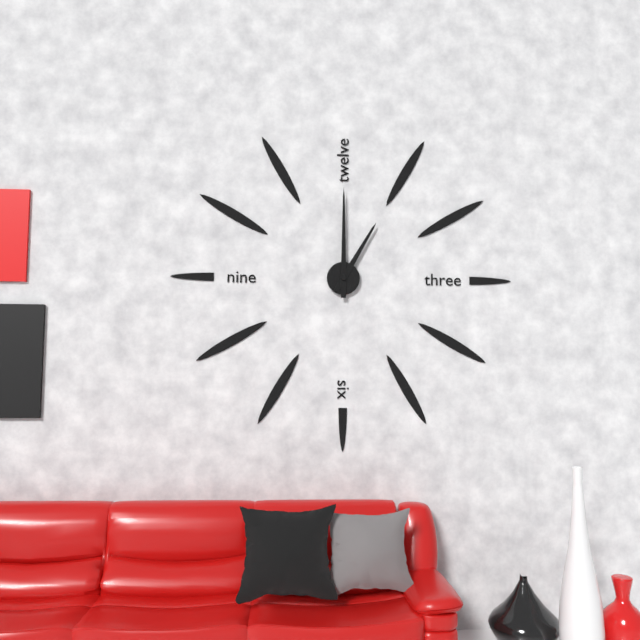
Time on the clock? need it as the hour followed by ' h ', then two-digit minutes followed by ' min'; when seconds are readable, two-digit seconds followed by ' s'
1 h 00 min
